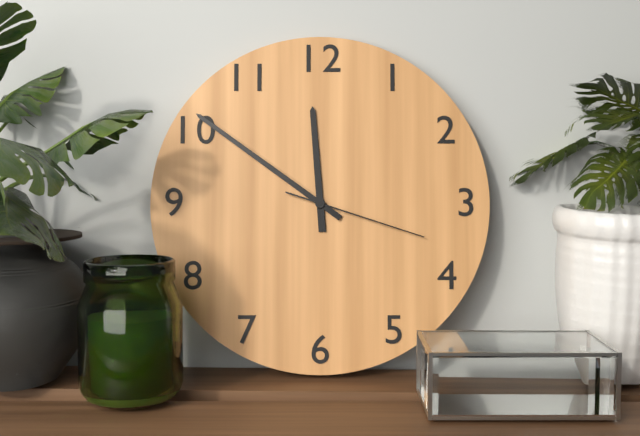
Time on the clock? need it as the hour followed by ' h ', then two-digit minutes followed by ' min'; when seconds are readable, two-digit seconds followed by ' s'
11 h 51 min 18 s
